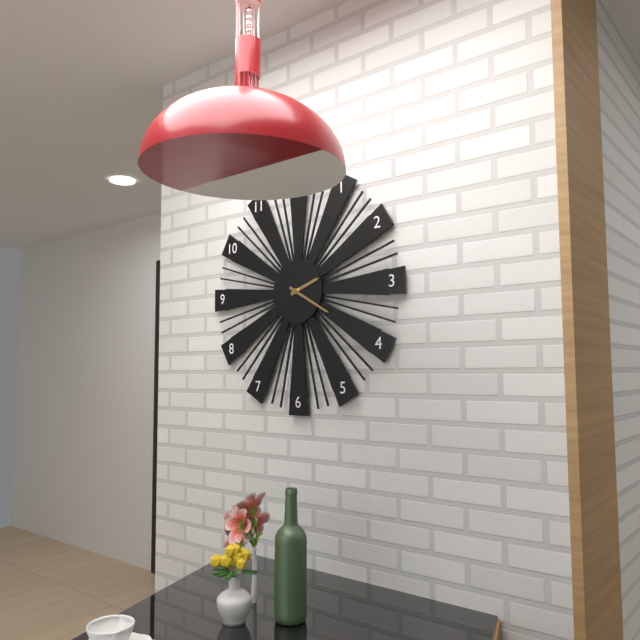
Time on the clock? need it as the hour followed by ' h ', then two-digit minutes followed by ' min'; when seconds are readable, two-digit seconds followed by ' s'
2 h 20 min
